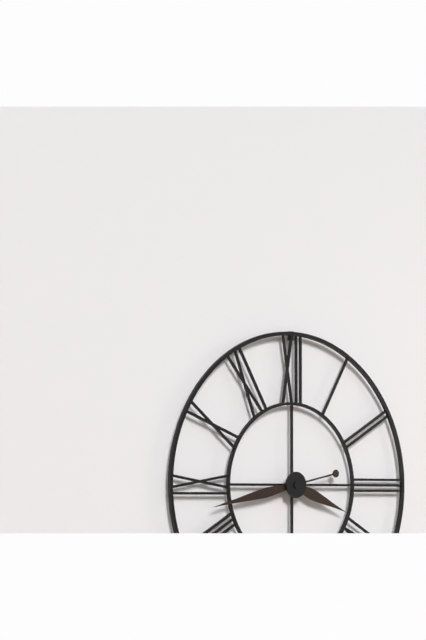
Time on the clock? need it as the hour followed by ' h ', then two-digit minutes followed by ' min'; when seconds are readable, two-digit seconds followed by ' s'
3 h 43 min
